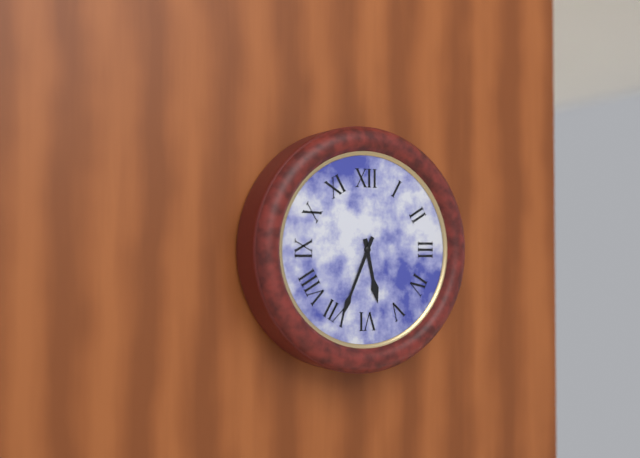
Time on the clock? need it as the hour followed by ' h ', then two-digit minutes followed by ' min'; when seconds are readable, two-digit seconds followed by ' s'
5 h 34 min
